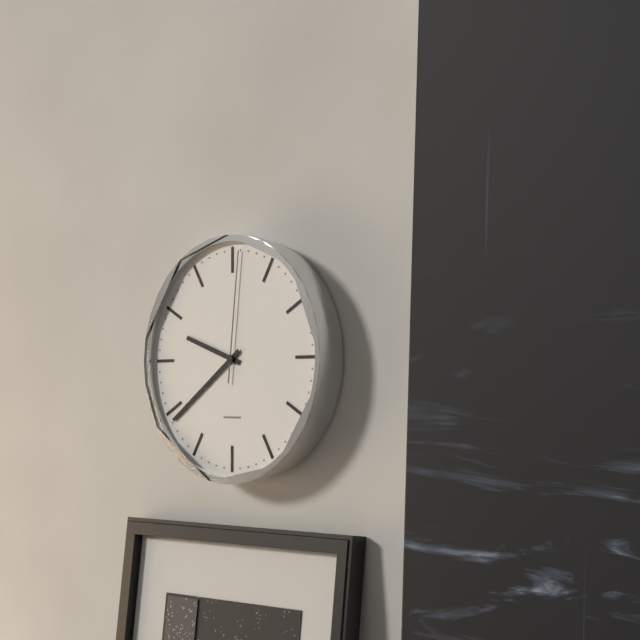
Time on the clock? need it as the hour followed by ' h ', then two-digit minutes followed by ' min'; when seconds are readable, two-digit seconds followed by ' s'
9 h 39 min 01 s
